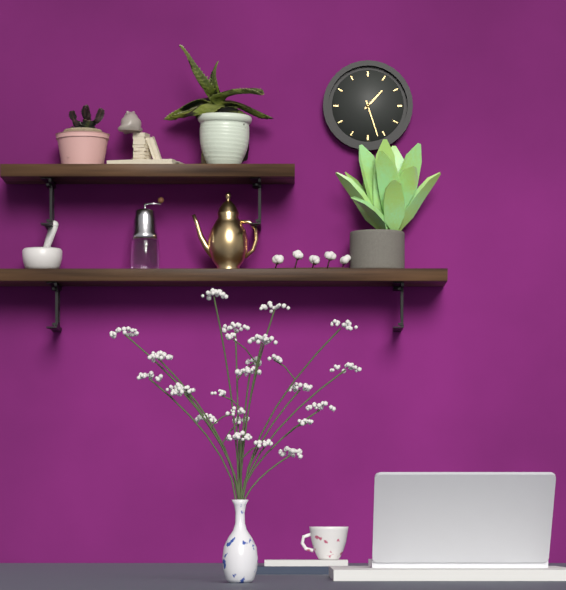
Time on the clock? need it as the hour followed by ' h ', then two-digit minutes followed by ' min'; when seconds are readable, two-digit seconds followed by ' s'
1 h 27 min
